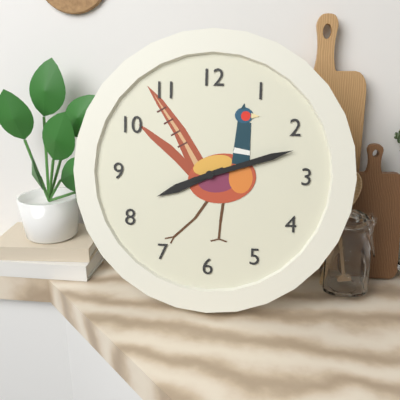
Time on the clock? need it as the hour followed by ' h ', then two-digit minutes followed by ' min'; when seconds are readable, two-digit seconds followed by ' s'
8 h 12 min
